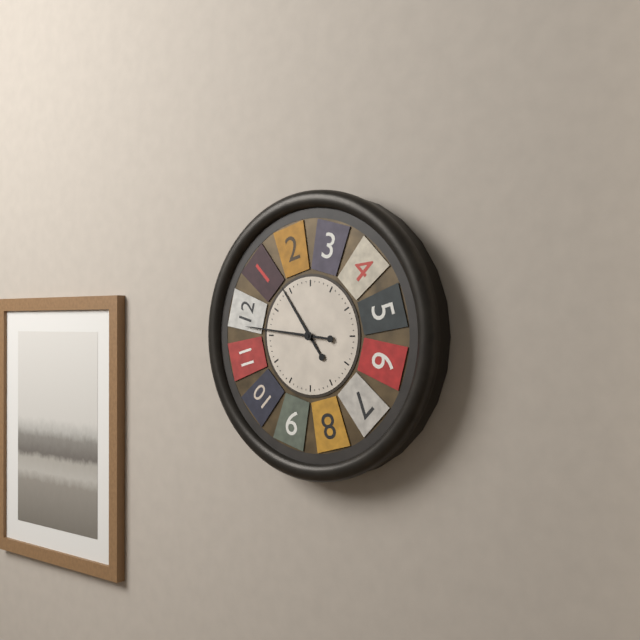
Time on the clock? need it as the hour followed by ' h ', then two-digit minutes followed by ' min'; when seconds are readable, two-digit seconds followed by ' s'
10 h 46 min
